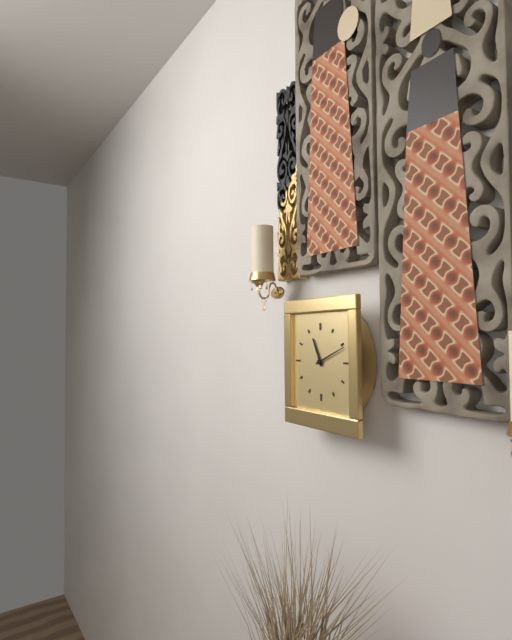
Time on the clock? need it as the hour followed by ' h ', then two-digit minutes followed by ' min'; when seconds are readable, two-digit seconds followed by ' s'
11 h 11 min
